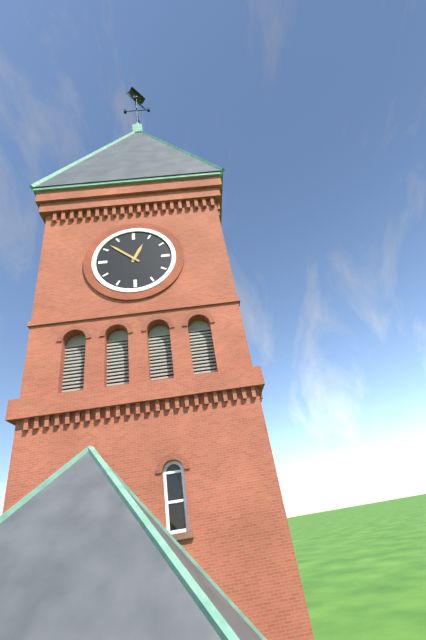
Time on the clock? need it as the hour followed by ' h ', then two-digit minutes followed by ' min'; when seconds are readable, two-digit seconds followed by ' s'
12 h 52 min
